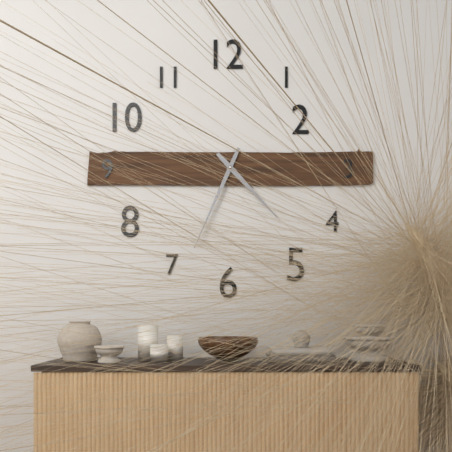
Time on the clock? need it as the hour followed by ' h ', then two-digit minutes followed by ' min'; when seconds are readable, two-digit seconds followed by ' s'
4 h 34 min
